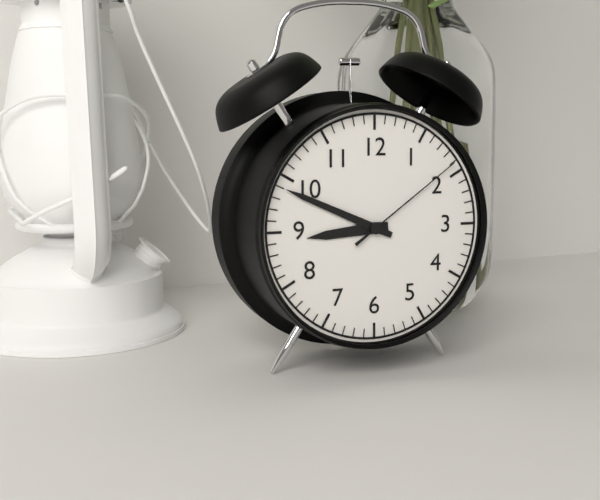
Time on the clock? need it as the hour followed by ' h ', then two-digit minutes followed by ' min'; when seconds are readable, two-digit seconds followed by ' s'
8 h 49 min 09 s
